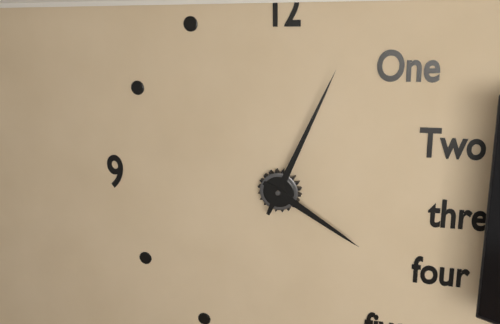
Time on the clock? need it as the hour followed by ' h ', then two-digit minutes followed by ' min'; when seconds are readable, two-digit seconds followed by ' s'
4 h 04 min
